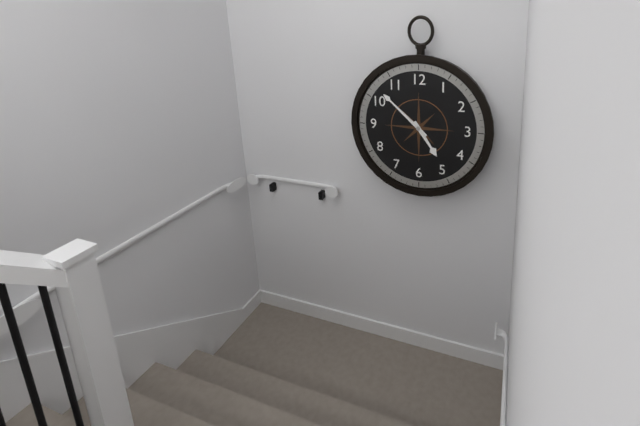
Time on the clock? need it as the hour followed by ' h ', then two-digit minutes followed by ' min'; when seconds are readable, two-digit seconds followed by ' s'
4 h 52 min
